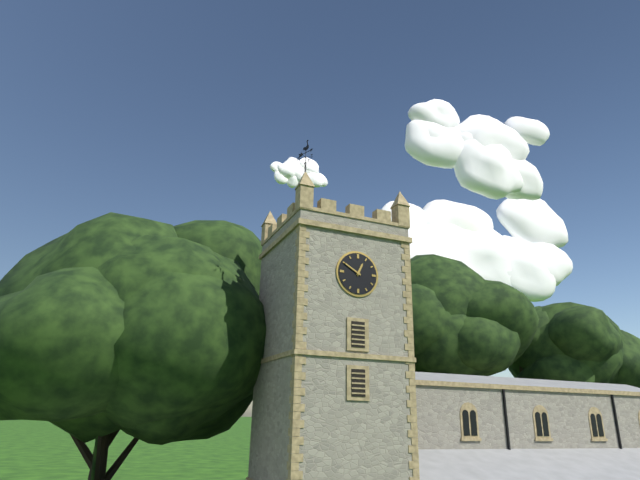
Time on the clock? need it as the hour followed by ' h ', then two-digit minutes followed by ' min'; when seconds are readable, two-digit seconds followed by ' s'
12 h 50 min
